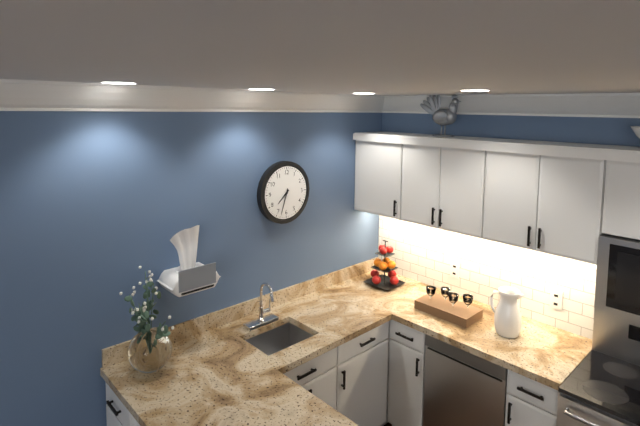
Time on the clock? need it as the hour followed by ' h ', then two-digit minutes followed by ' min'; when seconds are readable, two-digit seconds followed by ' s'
7 h 33 min
